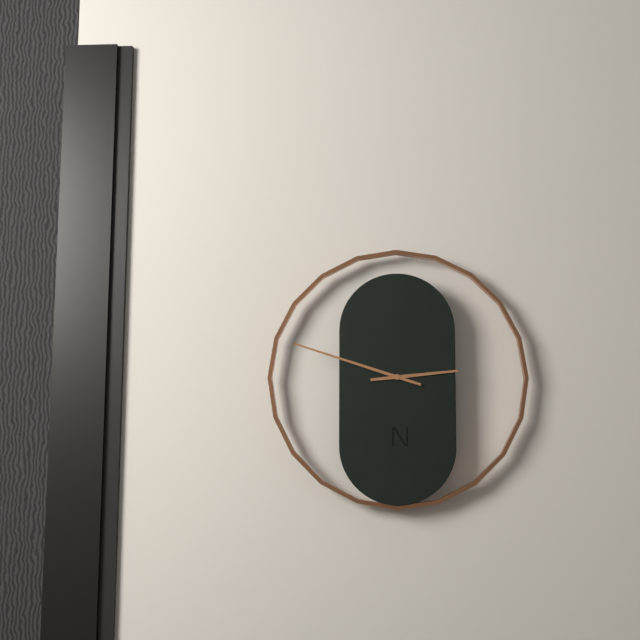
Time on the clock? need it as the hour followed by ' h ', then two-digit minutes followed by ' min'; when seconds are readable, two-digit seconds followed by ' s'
2 h 48 min
